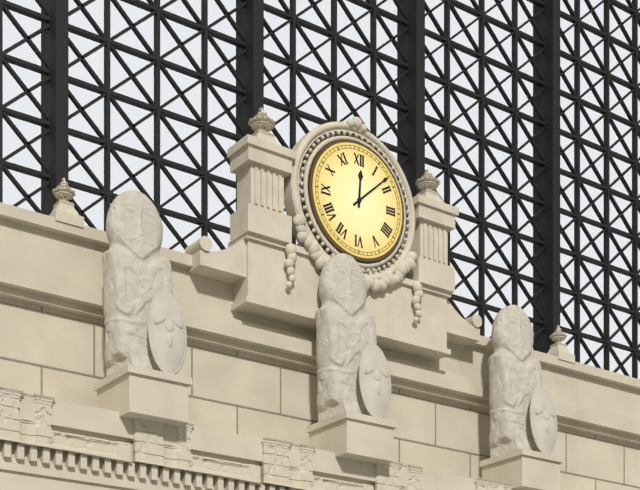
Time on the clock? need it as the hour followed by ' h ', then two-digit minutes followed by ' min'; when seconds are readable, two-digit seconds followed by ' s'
12 h 08 min
